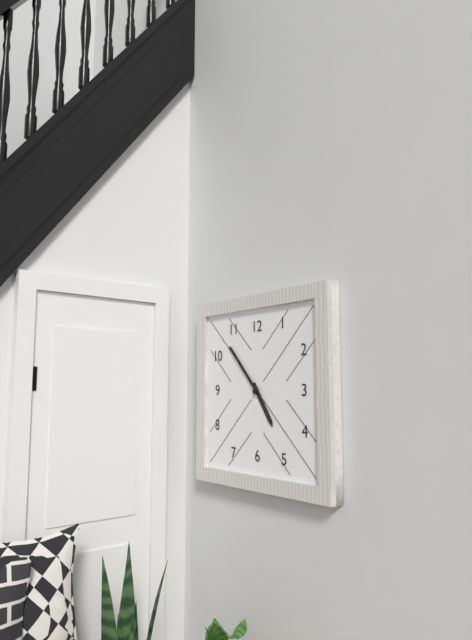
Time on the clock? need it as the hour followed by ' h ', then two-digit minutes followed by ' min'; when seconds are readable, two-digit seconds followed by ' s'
4 h 53 min
